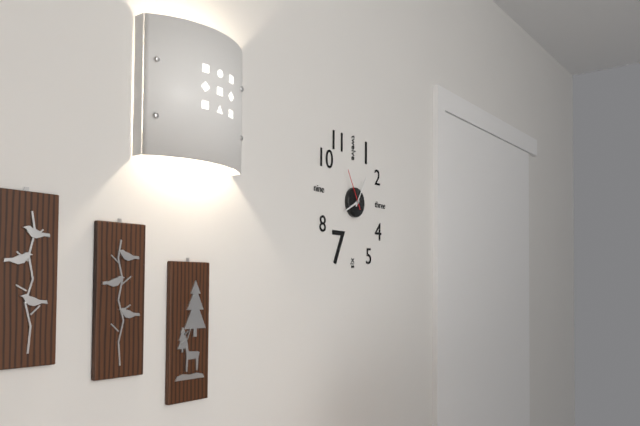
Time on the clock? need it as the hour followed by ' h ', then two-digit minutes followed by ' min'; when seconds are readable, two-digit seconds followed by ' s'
8 h 05 min
